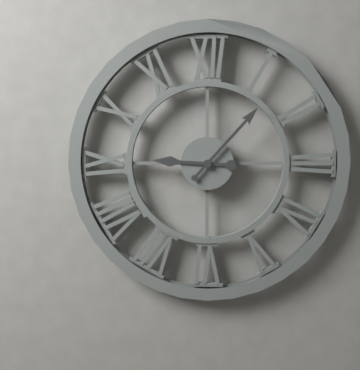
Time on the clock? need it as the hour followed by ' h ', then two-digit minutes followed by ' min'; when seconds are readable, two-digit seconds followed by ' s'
9 h 07 min
